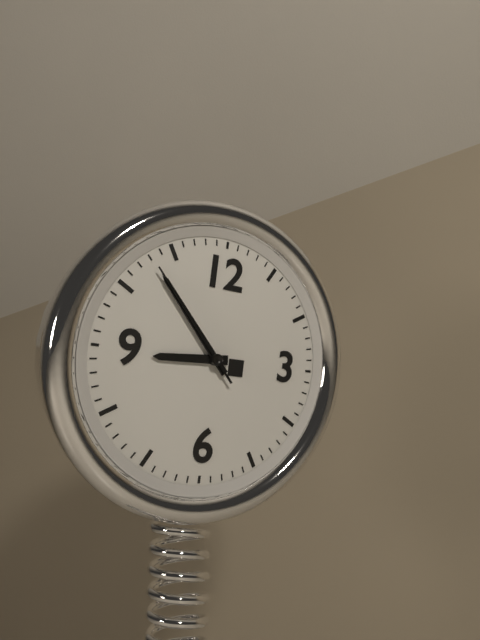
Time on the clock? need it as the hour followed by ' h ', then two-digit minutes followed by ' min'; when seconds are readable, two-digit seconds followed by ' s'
8 h 53 min 53 s
